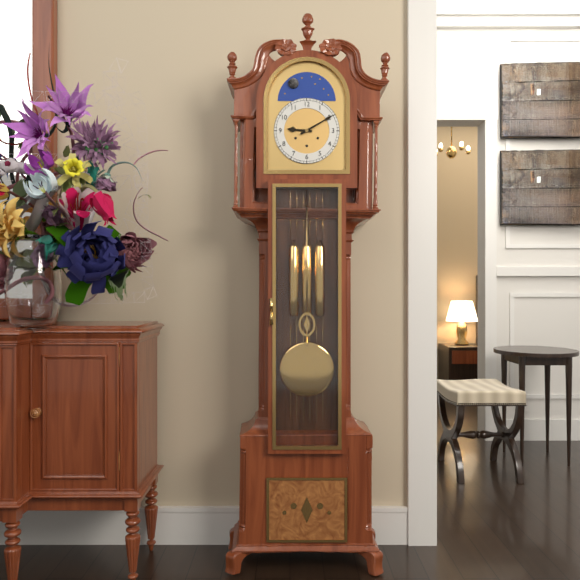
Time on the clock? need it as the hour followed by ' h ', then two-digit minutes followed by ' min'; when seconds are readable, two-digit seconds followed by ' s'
9 h 10 min
